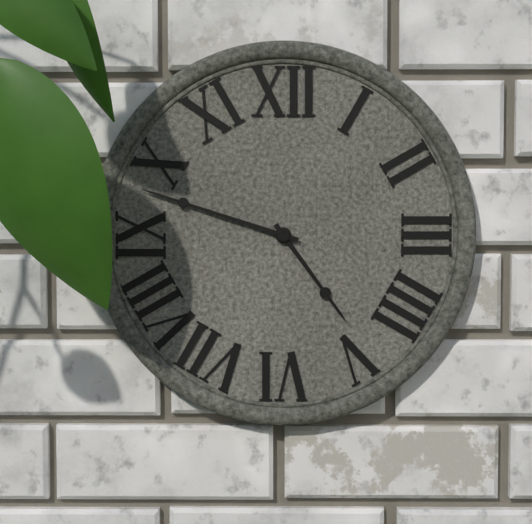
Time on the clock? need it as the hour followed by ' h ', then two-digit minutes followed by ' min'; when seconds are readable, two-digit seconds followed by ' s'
4 h 48 min
